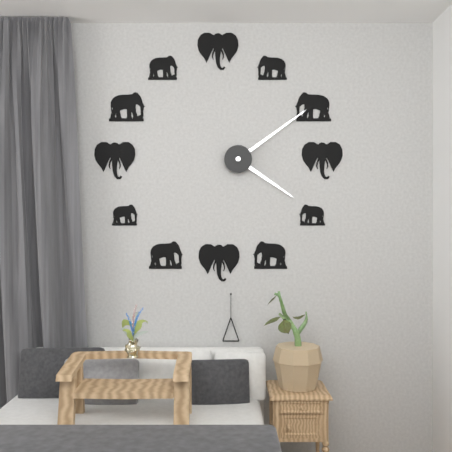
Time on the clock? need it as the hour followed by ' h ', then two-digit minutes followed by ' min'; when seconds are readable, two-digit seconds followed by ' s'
4 h 09 min
